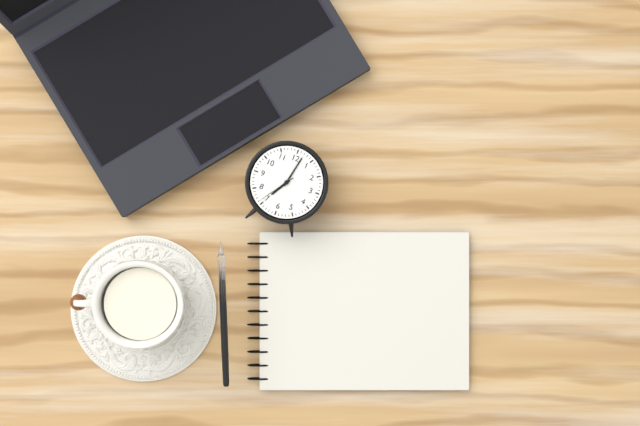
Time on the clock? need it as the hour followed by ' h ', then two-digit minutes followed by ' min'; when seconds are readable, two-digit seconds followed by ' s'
7 h 02 min
